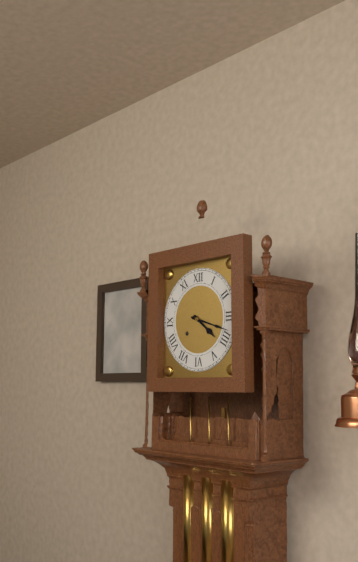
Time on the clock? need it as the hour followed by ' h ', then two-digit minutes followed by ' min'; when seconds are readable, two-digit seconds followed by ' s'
4 h 18 min
